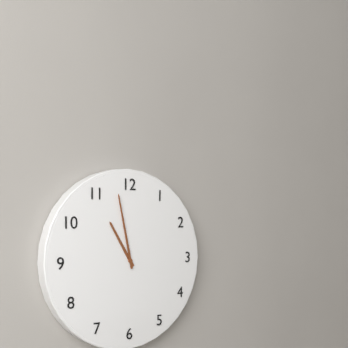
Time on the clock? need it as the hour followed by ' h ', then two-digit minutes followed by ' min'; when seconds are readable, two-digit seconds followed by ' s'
10 h 58 min
